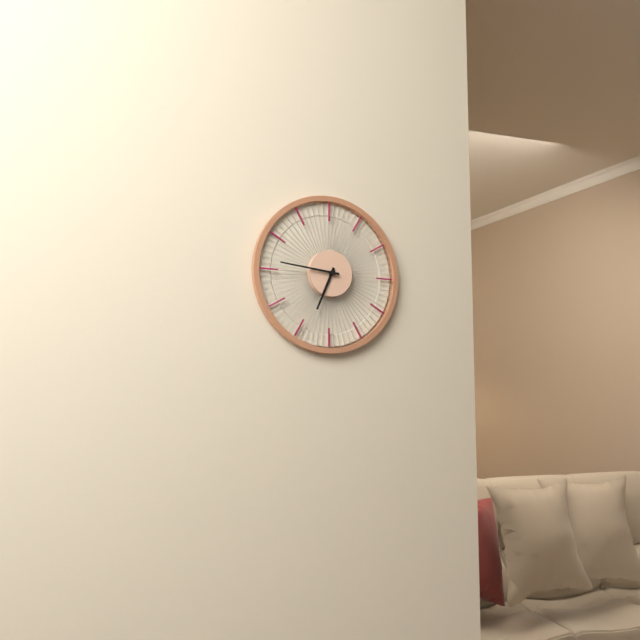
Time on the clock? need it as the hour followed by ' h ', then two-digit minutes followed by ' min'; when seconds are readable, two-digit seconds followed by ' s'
6 h 46 min
